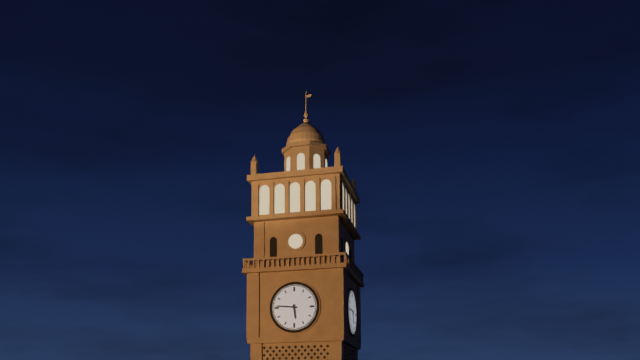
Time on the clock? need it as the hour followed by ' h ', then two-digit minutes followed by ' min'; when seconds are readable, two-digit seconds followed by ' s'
5 h 46 min
